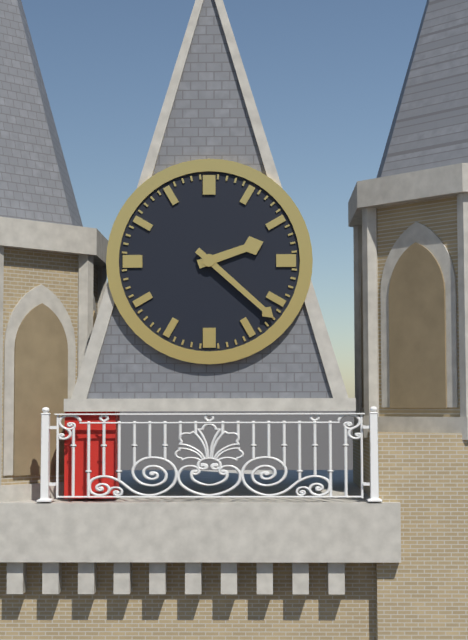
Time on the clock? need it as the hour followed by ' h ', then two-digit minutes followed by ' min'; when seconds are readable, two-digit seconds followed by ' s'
2 h 22 min
